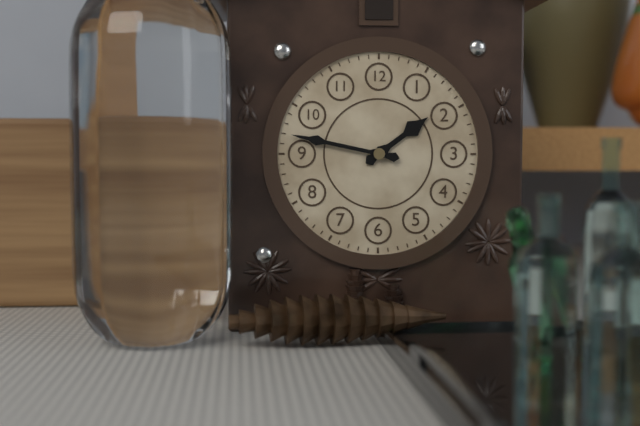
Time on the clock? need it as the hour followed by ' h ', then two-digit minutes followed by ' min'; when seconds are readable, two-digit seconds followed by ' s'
1 h 47 min
